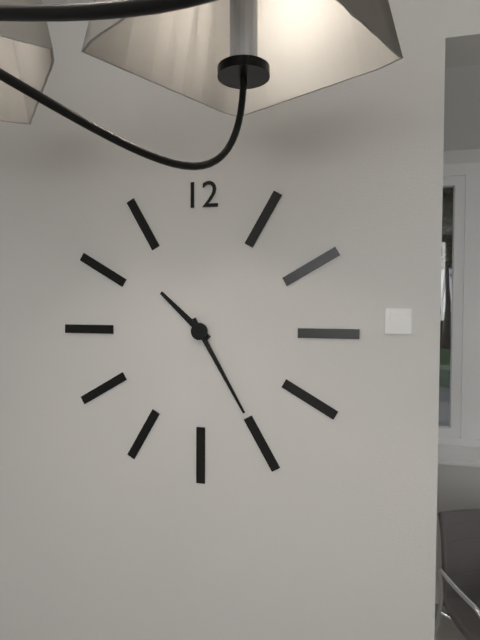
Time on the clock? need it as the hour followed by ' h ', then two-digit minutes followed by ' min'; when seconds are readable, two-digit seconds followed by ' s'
10 h 25 min
